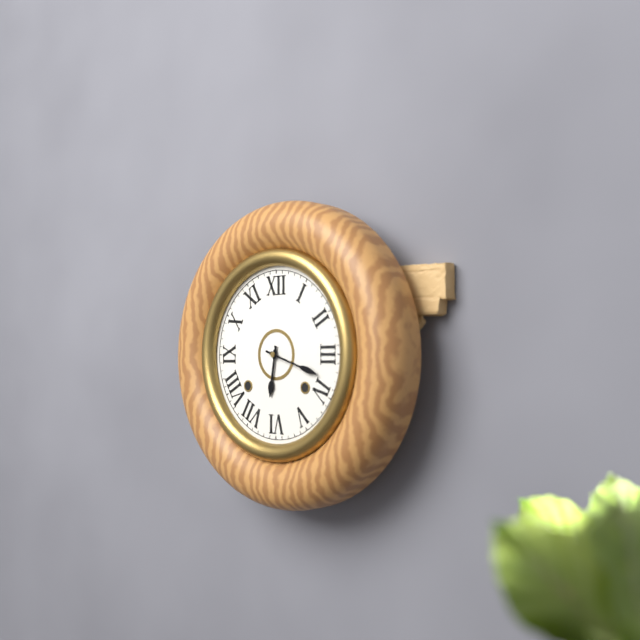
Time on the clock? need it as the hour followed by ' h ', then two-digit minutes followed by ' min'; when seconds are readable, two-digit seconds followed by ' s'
6 h 18 min
